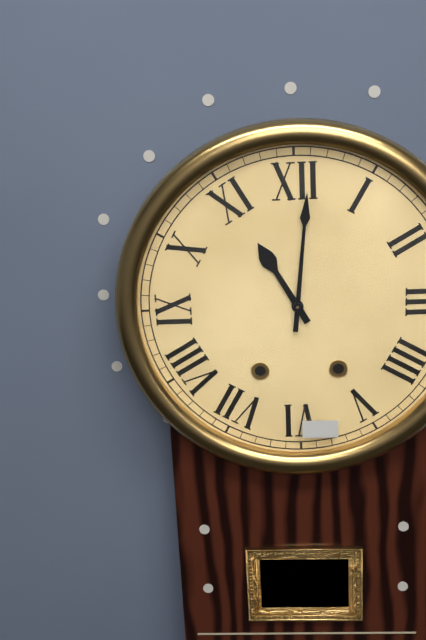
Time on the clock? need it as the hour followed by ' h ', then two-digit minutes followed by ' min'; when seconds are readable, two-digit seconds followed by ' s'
11 h 01 min
